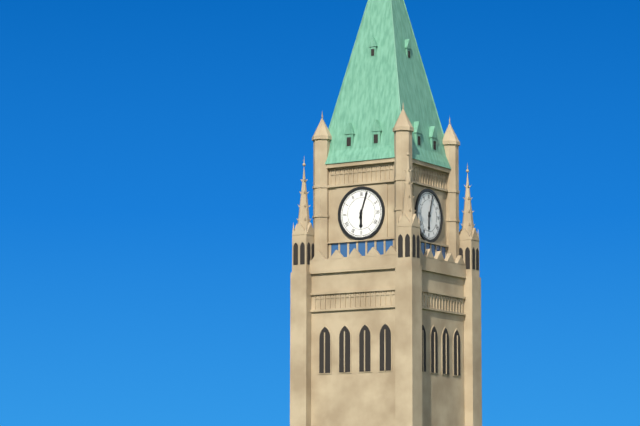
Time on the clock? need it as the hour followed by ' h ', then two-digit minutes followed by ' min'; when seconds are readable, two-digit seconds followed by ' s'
6 h 03 min
